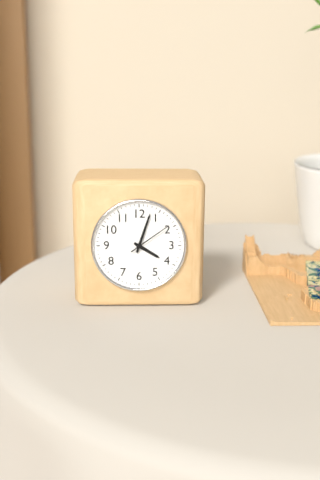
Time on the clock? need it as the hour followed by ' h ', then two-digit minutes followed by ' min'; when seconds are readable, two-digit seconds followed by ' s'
4 h 03 min
